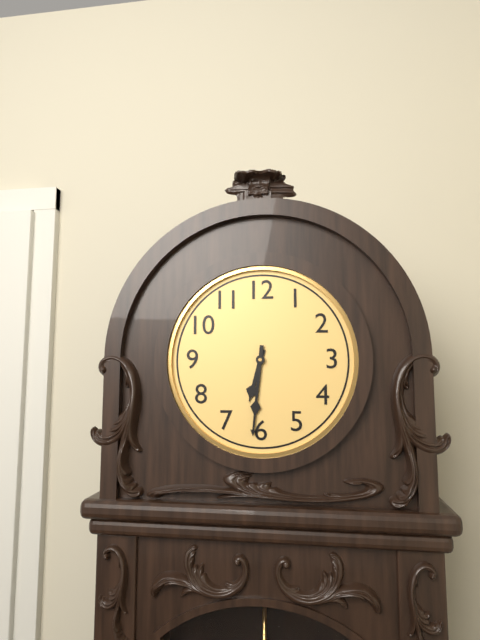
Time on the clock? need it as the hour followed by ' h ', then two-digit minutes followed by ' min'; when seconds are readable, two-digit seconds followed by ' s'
6 h 31 min
